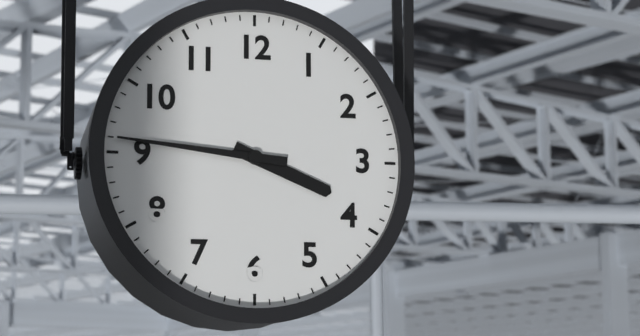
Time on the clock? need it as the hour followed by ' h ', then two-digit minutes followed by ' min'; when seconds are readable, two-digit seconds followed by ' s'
3 h 46 min
